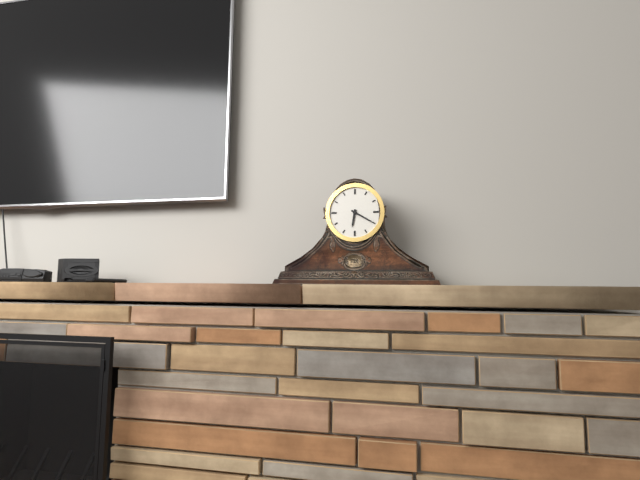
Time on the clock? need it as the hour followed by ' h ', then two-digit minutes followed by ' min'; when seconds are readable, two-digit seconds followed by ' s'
6 h 20 min
